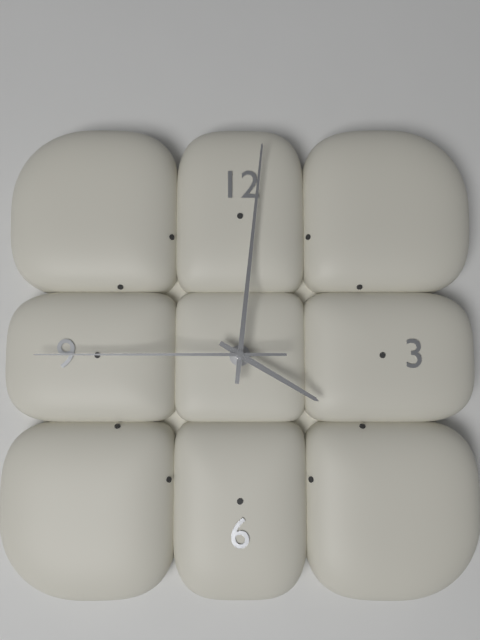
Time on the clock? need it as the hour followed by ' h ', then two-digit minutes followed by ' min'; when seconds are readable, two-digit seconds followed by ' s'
4 h 01 min 45 s
